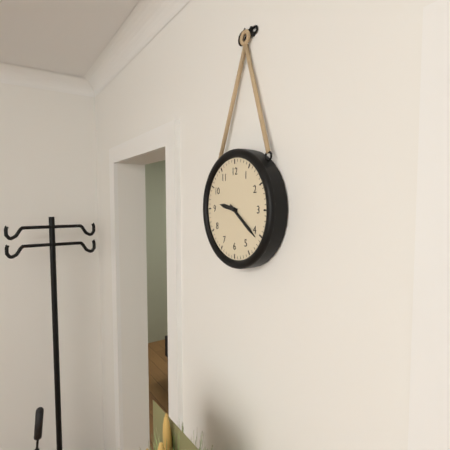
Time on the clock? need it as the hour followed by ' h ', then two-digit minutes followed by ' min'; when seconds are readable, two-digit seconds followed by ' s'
9 h 21 min
